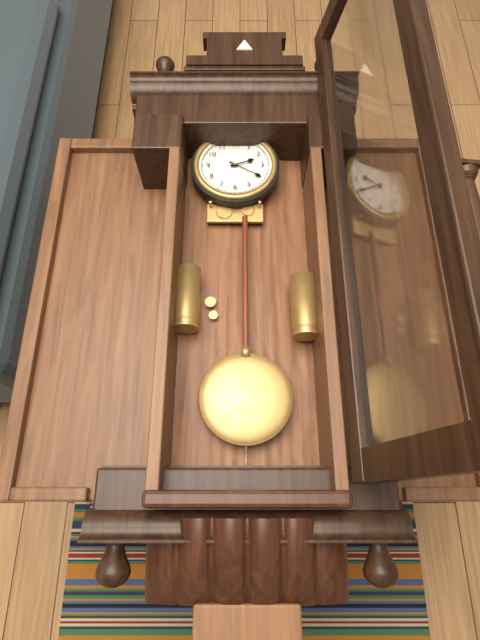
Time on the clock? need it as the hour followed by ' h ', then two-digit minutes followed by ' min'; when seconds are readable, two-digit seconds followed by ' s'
2 h 20 min
